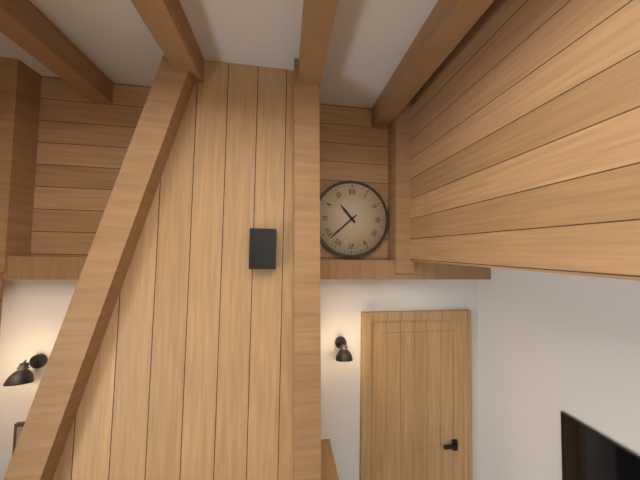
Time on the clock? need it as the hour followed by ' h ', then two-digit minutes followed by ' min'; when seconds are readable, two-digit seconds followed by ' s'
10 h 38 min
